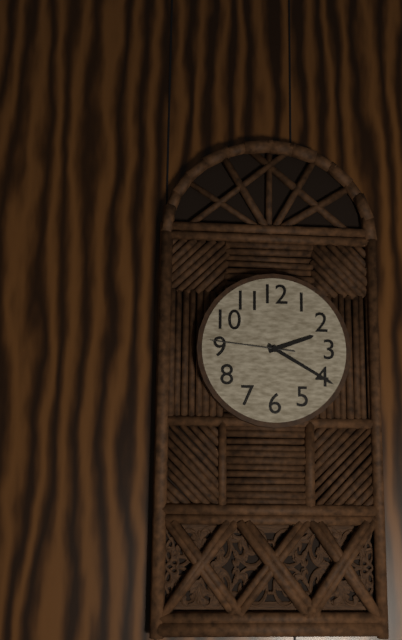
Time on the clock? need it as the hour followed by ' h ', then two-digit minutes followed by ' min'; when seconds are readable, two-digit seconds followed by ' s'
2 h 20 min 46 s
